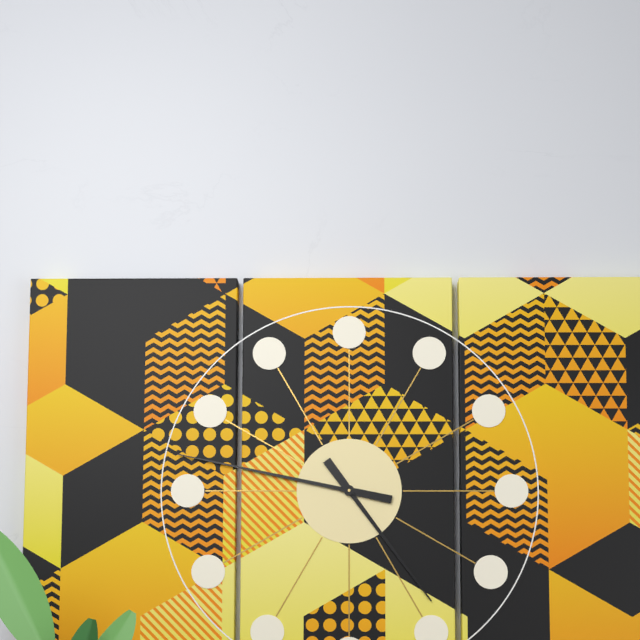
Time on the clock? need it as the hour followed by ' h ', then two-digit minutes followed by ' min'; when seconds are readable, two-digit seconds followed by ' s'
4 h 47 min
